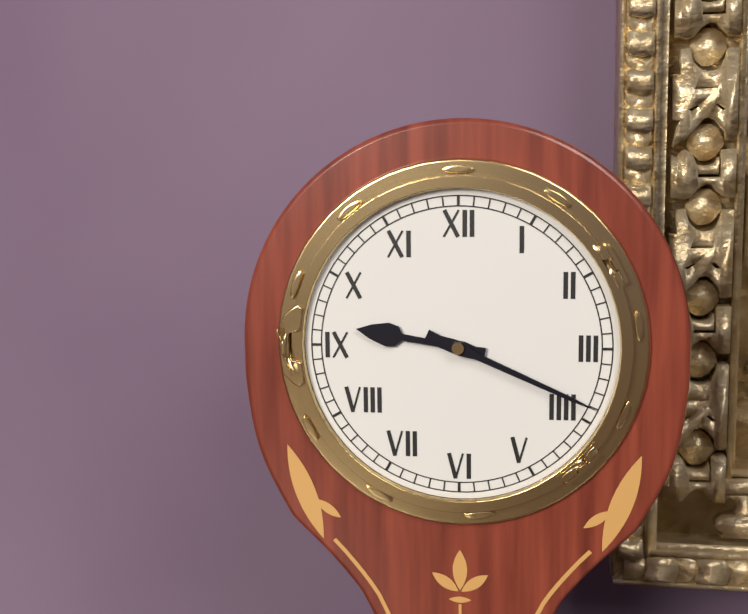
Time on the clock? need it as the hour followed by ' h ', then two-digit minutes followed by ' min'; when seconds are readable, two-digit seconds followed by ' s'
9 h 19 min
